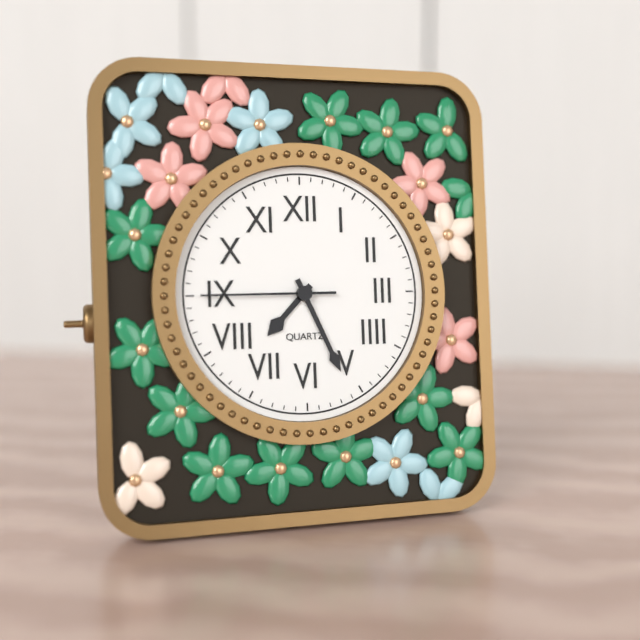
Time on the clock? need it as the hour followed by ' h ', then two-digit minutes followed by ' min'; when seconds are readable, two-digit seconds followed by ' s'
7 h 26 min 45 s
